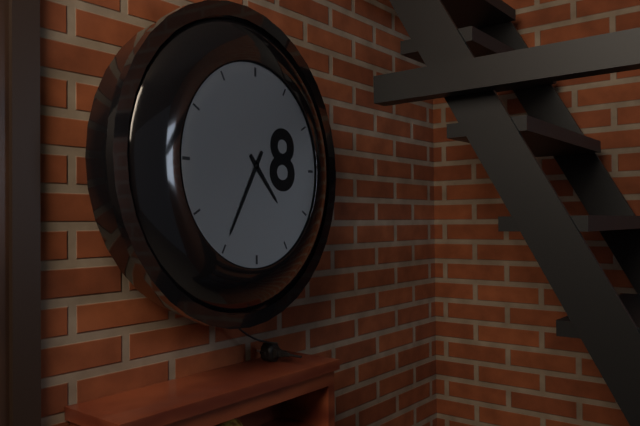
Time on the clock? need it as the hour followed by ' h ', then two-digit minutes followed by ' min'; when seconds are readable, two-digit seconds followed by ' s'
4 h 35 min
